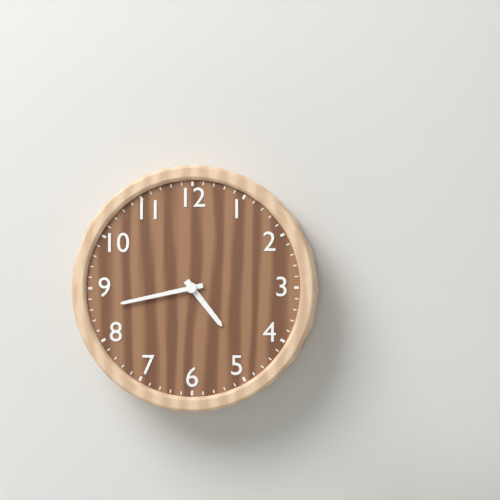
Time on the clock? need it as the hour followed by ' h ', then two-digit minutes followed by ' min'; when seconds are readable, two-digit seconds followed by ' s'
4 h 43 min
